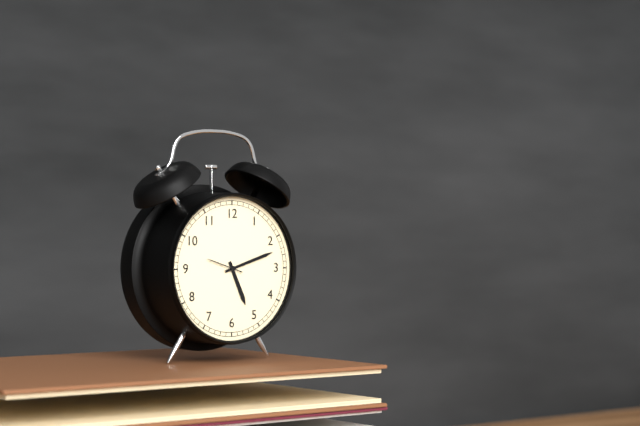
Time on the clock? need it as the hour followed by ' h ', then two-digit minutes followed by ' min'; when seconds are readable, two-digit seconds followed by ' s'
5 h 12 min
